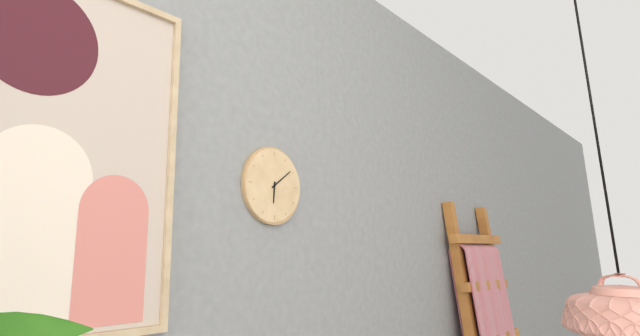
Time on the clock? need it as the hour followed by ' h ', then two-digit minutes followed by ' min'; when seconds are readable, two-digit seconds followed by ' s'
6 h 09 min
